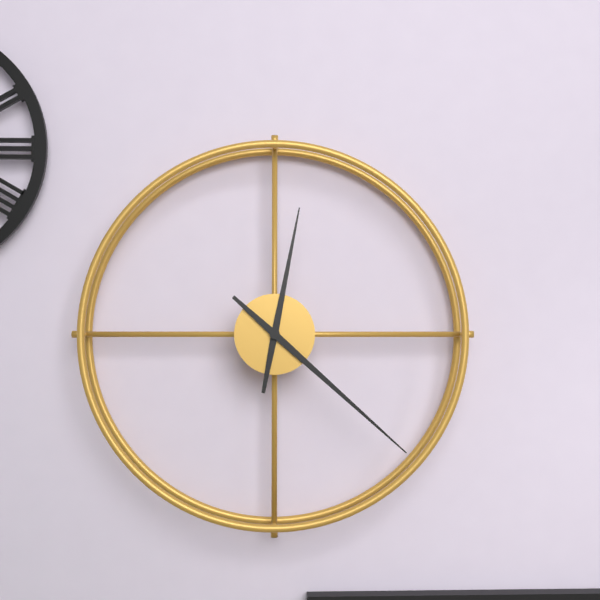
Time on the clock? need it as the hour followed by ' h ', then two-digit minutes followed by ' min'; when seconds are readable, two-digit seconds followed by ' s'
12 h 22 min
